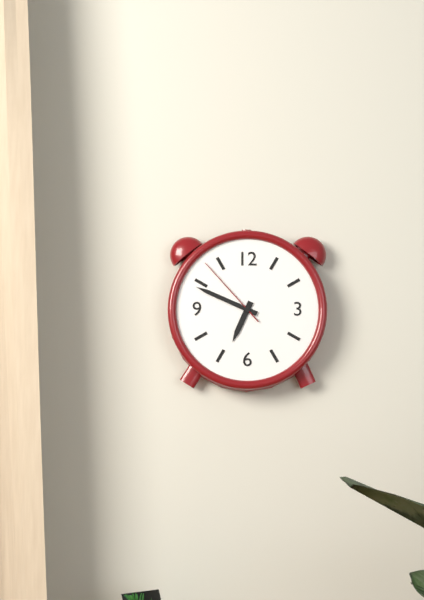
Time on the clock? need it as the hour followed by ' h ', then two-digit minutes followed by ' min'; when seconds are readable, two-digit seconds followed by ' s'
6 h 49 min 53 s
